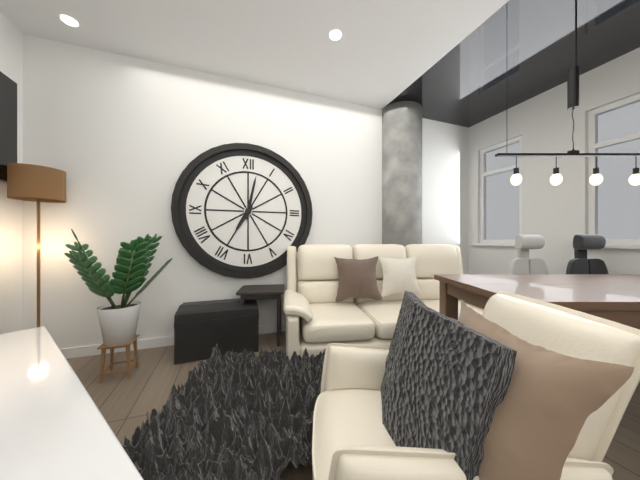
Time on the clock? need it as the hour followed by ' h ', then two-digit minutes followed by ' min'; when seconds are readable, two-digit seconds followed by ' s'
7 h 02 min
